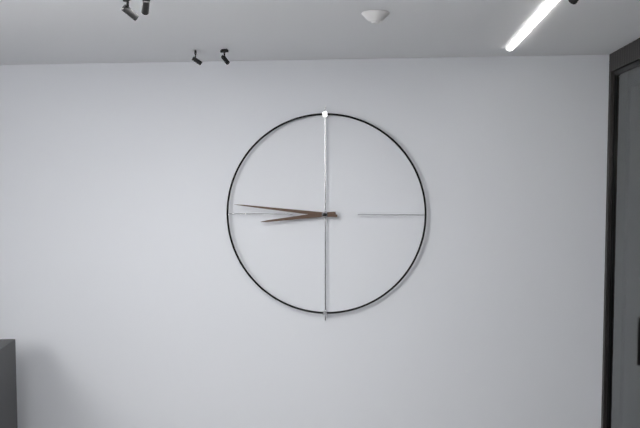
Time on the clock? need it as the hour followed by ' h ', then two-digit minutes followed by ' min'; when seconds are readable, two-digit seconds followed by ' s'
8 h 46 min
